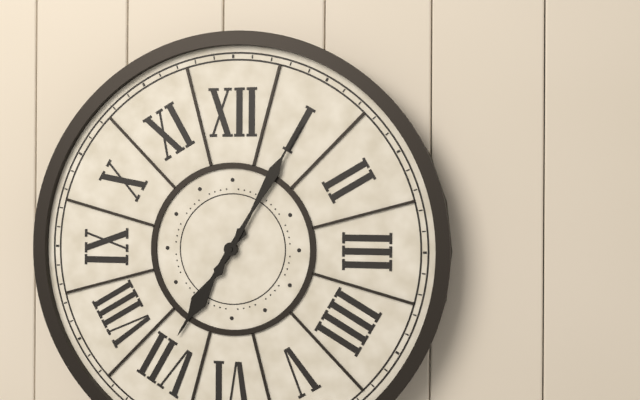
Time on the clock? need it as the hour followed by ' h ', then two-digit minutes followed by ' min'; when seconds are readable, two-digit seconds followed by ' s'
7 h 05 min
